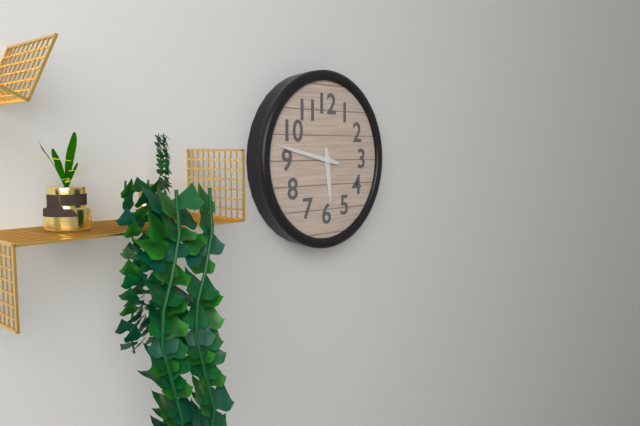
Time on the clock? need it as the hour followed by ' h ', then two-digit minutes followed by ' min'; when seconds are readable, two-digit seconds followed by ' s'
5 h 47 min
